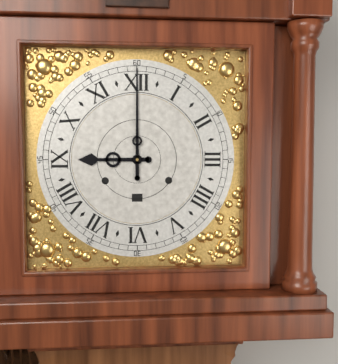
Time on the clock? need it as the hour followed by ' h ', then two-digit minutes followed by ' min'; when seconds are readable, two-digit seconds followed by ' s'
9 h 00 min
